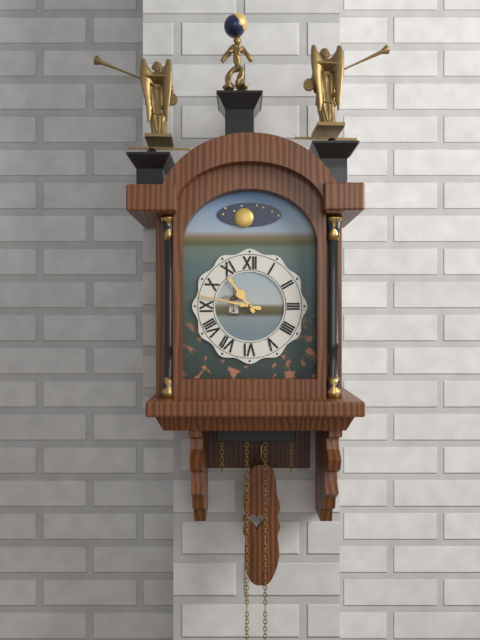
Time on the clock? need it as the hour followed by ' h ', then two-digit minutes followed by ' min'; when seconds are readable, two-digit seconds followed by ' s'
10 h 47 min
